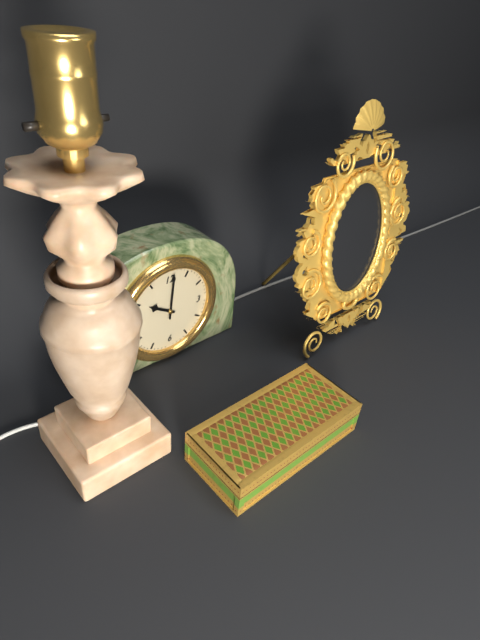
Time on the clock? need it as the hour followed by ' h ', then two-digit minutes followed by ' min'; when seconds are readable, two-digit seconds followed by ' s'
10 h 01 min
